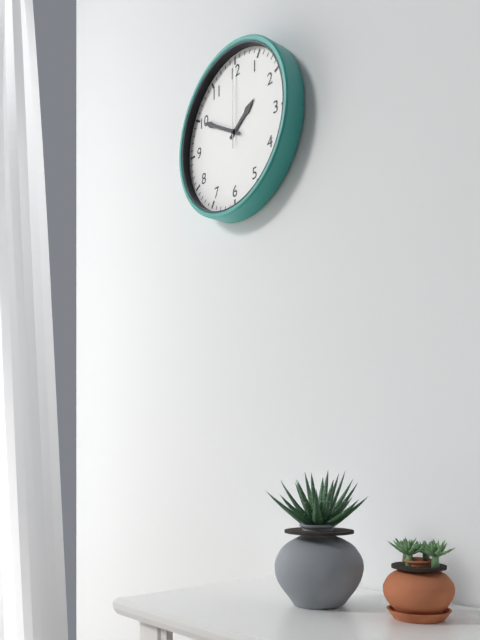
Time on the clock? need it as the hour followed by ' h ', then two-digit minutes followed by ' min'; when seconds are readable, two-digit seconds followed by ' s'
1 h 50 min 00 s
